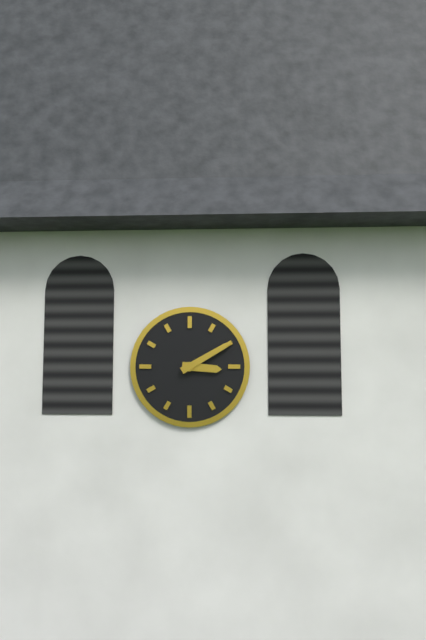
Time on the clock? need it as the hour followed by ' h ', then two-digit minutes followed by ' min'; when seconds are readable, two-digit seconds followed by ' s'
3 h 10 min
